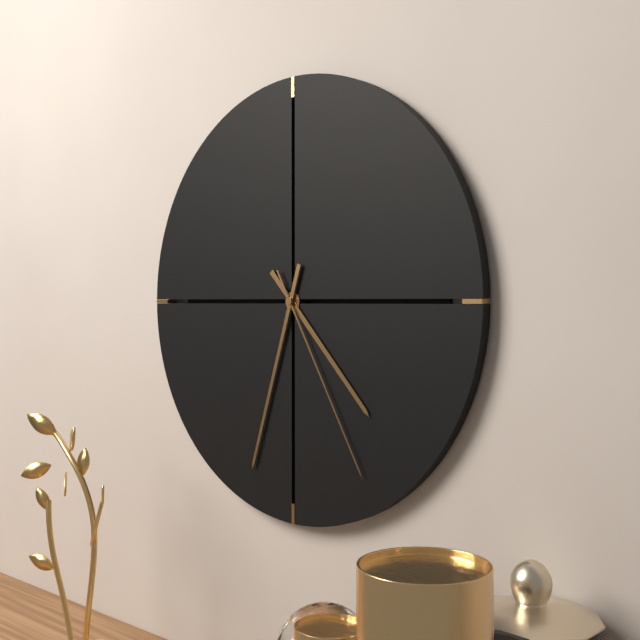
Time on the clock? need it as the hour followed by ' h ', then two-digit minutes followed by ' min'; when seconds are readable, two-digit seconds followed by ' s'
4 h 33 min 25 s
